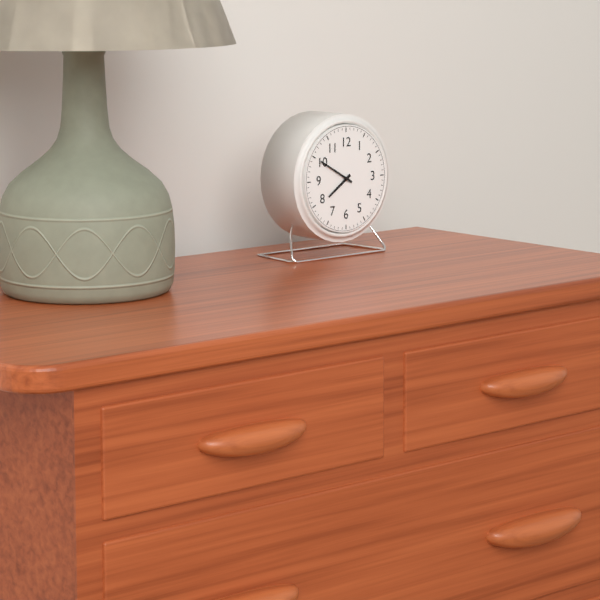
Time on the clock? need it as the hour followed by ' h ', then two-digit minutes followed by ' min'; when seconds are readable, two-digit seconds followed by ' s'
7 h 50 min
